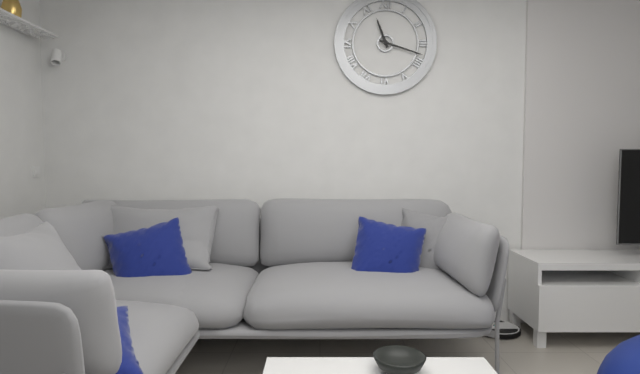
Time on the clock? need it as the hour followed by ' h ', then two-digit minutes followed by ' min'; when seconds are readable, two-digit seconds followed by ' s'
11 h 18 min
